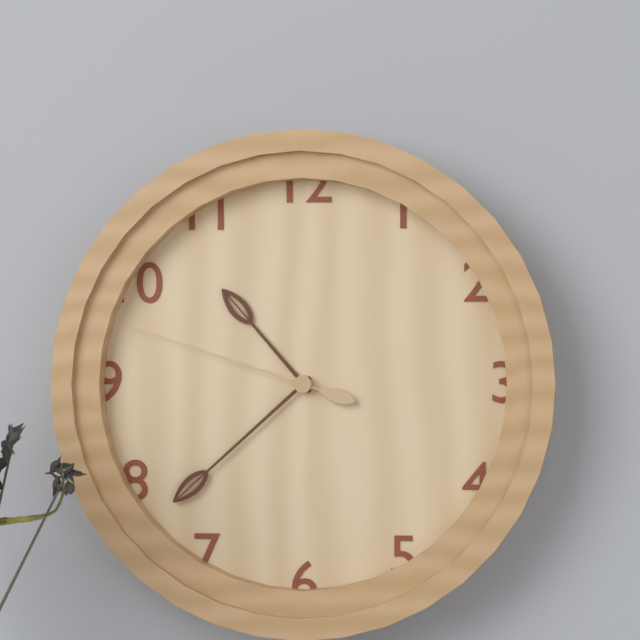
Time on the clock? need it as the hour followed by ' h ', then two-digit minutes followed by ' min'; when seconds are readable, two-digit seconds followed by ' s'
10 h 38 min 48 s
